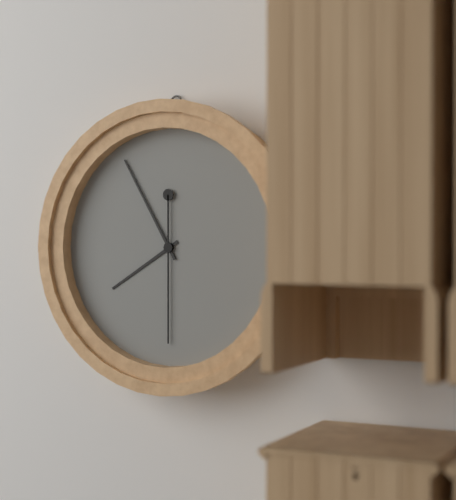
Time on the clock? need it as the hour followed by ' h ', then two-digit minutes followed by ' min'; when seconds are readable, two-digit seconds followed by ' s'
7 h 55 min 30 s
